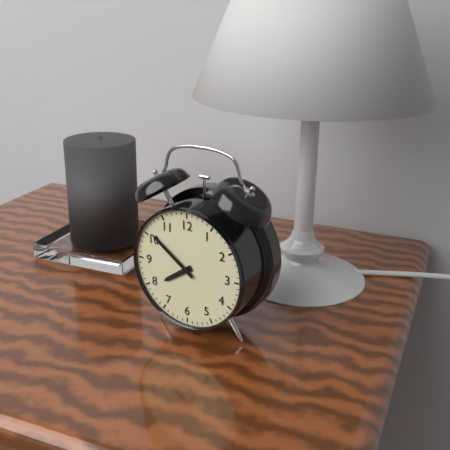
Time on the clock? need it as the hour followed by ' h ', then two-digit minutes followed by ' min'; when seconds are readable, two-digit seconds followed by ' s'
7 h 51 min
